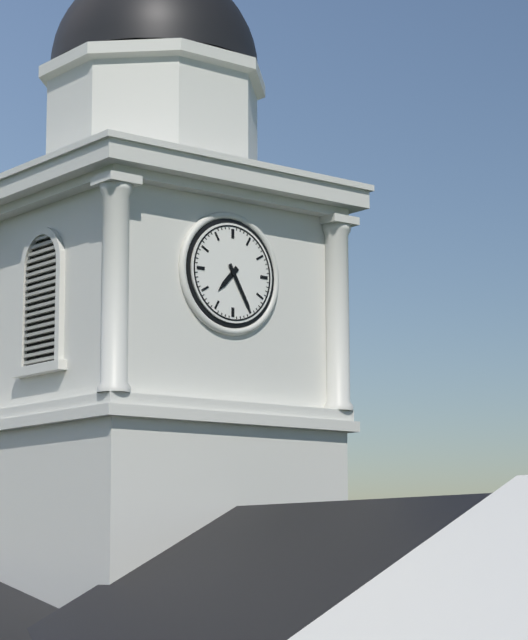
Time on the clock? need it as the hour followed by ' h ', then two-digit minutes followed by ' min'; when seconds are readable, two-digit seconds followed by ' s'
7 h 25 min
